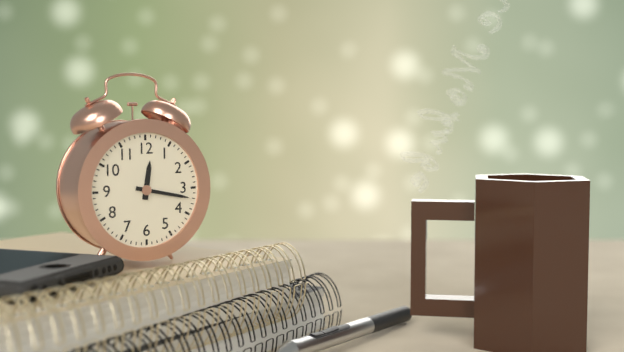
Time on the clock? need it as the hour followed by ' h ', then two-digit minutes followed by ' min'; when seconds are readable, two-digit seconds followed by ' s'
12 h 17 min
